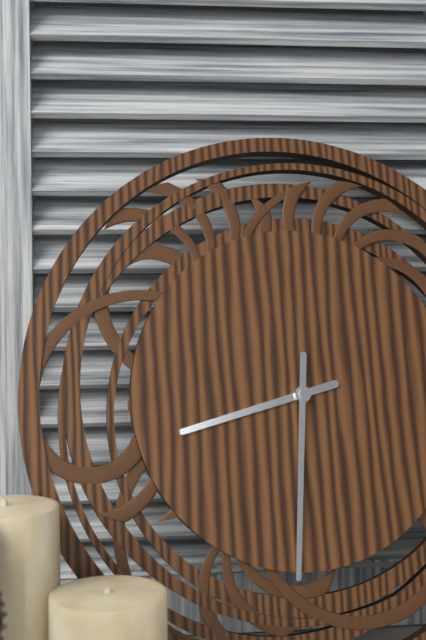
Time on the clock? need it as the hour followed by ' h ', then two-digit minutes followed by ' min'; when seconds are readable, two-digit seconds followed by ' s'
8 h 31 min
